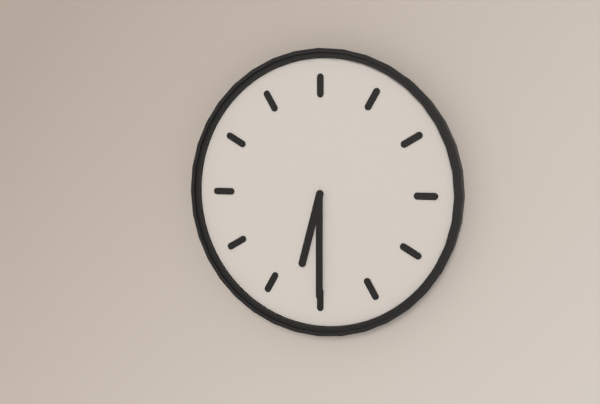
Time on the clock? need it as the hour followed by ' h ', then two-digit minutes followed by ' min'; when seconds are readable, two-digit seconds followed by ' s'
6 h 30 min
